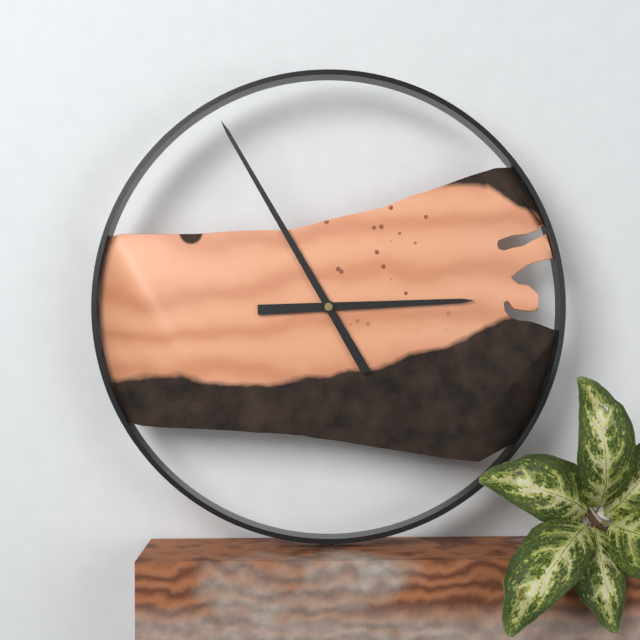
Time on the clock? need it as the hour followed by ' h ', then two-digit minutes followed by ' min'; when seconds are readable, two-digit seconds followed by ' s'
2 h 55 min
